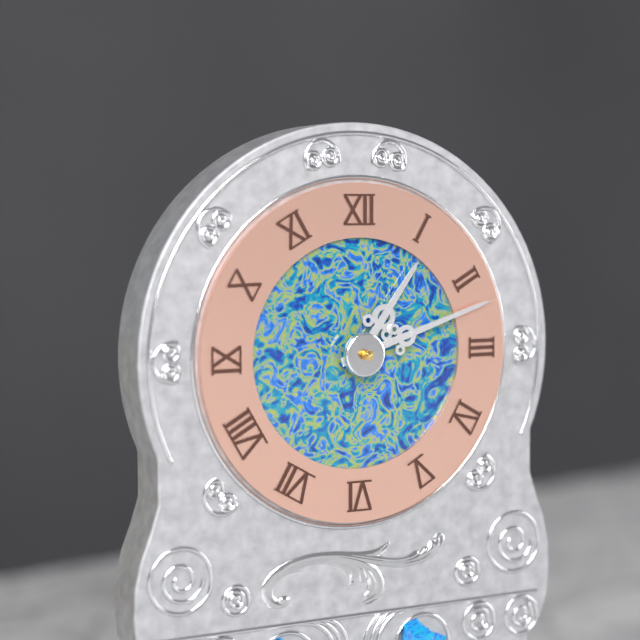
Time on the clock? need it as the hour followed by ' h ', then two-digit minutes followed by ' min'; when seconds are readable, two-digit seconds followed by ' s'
1 h 12 min
